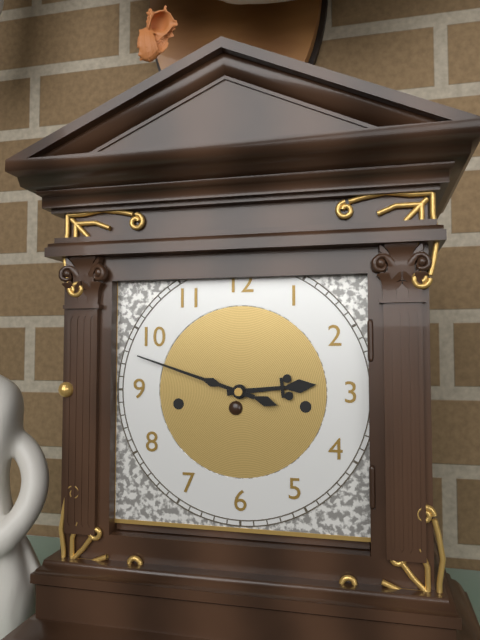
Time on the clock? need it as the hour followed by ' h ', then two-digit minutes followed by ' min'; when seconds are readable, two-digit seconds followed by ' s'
2 h 48 min
